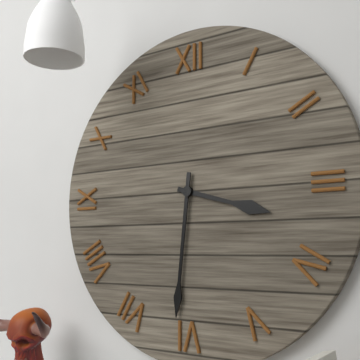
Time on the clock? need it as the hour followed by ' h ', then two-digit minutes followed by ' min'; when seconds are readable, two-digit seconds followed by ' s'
3 h 31 min
